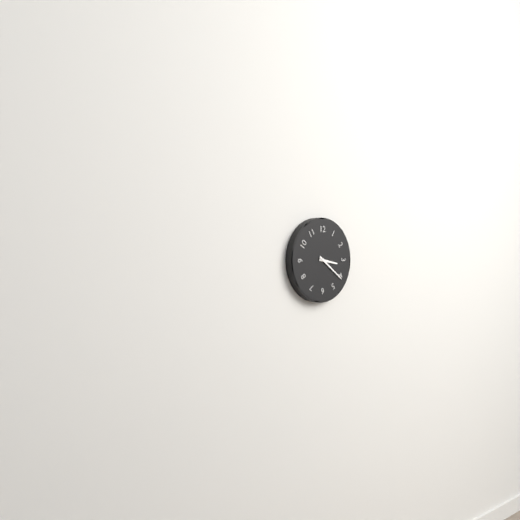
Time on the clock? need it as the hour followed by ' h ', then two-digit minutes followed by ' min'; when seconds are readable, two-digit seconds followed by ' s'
3 h 21 min
